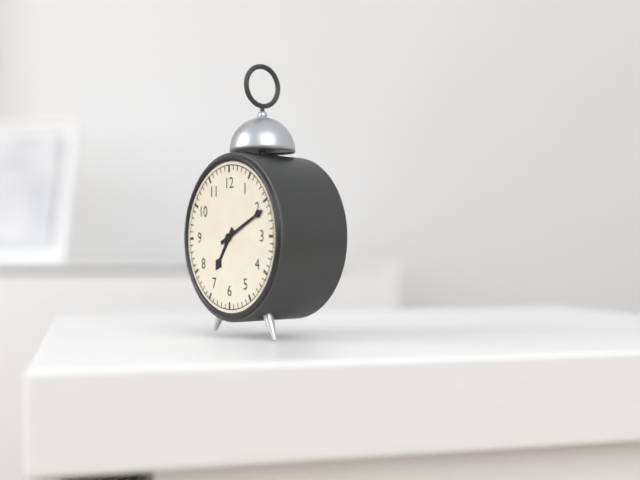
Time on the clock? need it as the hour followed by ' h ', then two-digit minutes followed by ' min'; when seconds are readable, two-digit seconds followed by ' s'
7 h 11 min
